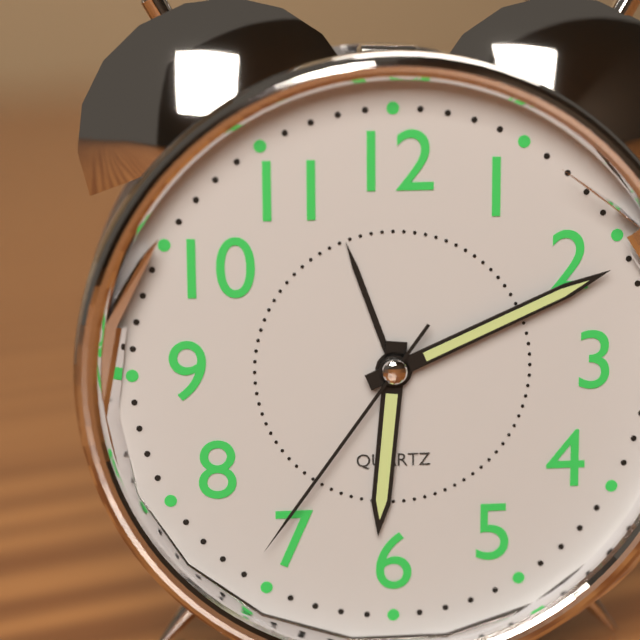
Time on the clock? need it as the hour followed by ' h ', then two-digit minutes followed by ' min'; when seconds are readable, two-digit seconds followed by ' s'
6 h 11 min 36 s
